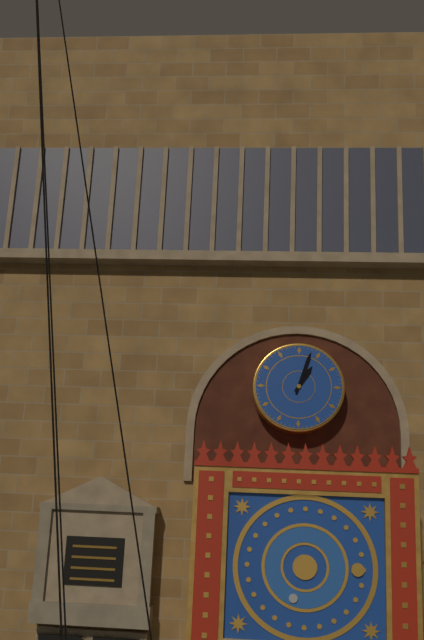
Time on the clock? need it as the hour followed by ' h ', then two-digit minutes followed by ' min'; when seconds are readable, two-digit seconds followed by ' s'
1 h 03 min
